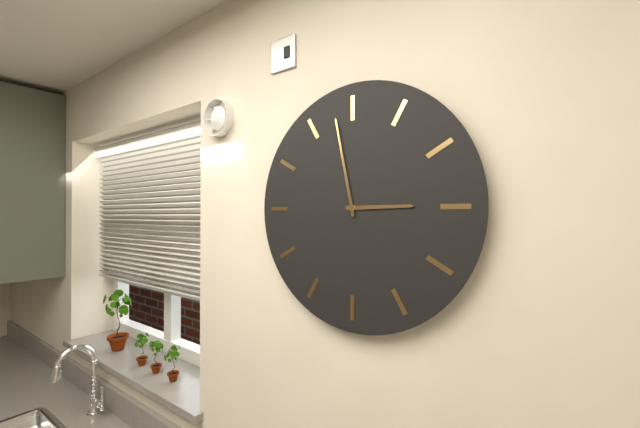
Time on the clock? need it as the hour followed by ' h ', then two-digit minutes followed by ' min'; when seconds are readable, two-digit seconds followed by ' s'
2 h 58 min
